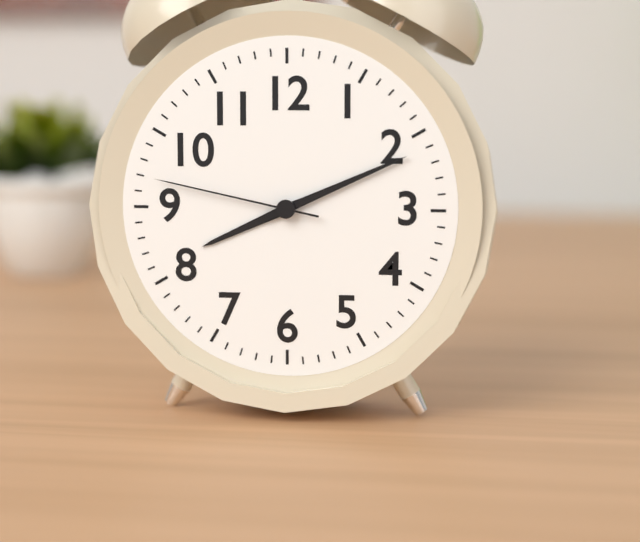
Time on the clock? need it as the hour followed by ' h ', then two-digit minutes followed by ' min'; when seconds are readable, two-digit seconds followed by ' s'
8 h 11 min 47 s
